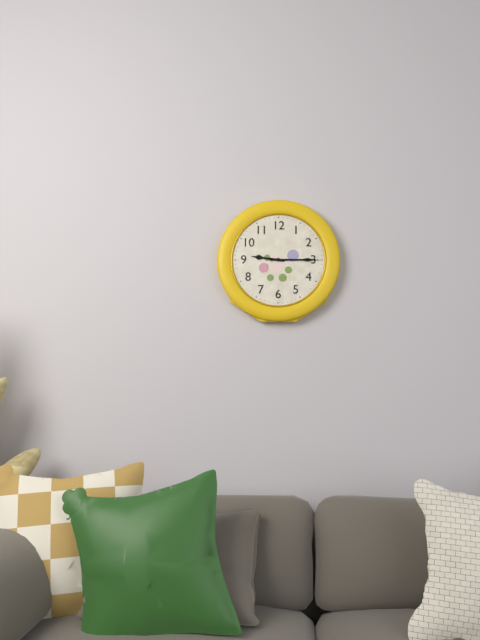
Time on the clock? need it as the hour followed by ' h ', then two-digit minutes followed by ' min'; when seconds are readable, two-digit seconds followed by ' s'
9 h 15 min
